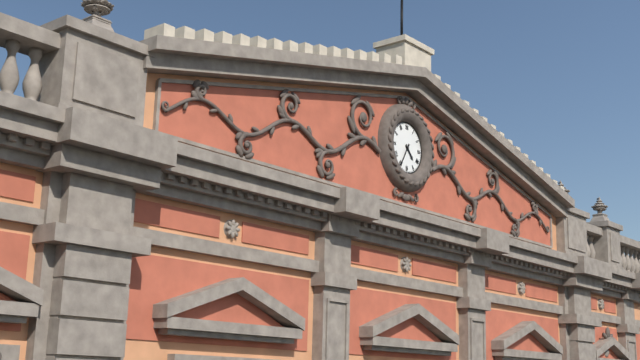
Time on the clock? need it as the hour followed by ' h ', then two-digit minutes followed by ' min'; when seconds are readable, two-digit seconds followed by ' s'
4 h 35 min
